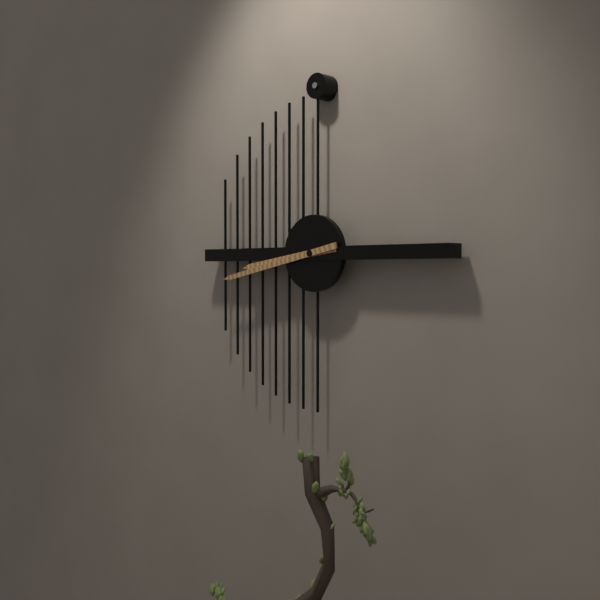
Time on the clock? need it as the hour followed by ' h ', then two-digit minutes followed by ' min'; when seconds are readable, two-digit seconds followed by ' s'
8 h 43 min
